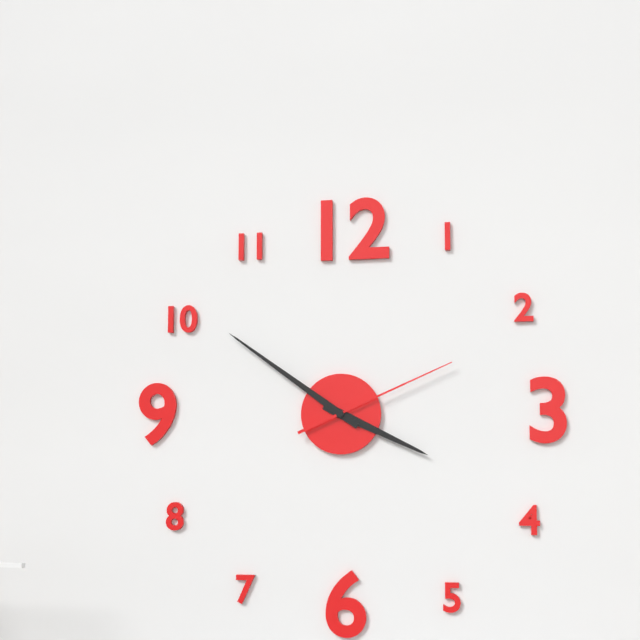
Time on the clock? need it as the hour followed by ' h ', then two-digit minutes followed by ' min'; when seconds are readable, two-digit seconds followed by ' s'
3 h 51 min 11 s
